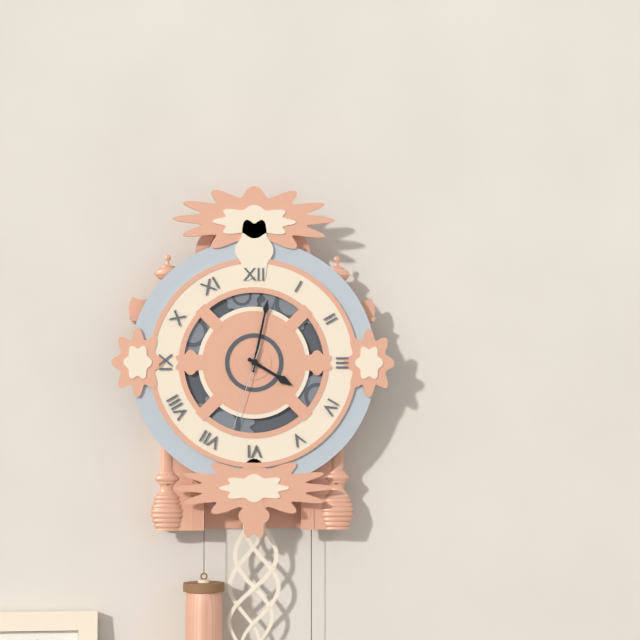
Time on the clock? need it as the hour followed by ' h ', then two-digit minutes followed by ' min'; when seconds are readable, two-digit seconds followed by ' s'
4 h 02 min 33 s
